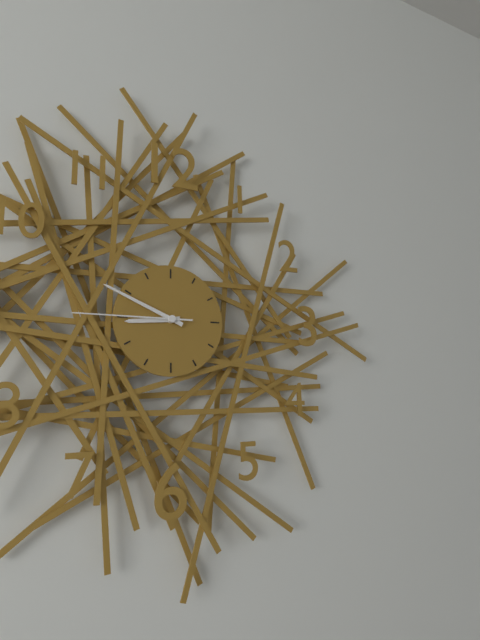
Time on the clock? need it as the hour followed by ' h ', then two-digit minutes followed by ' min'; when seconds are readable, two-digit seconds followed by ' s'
8 h 49 min 45 s
